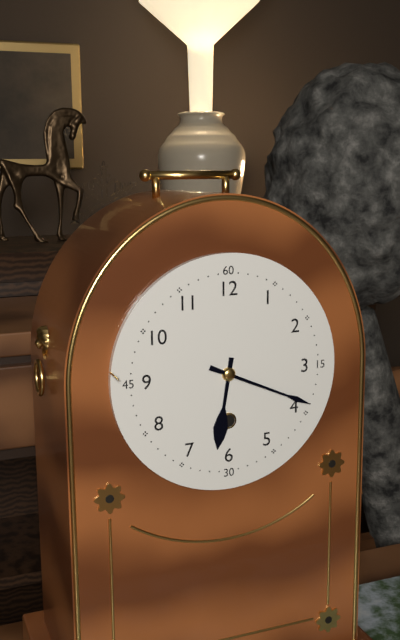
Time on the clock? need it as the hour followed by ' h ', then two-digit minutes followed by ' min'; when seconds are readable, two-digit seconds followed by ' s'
6 h 19 min
